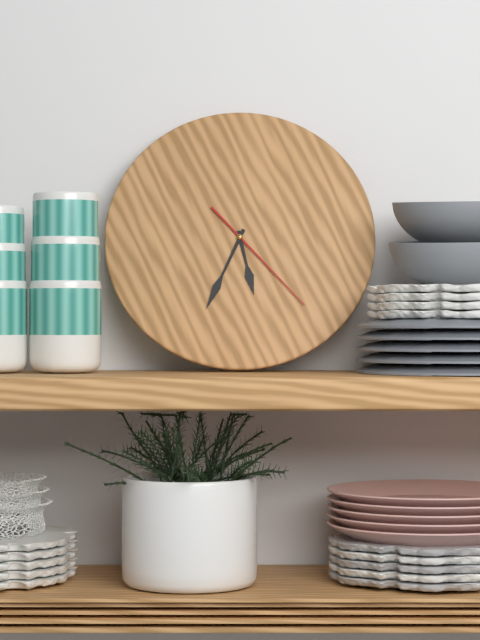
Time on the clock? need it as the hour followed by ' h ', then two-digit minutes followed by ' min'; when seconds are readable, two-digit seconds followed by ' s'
5 h 34 min 23 s
